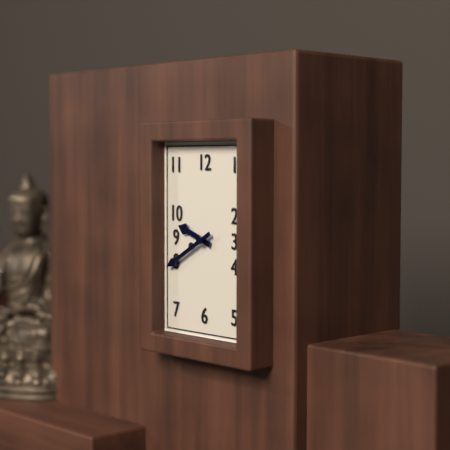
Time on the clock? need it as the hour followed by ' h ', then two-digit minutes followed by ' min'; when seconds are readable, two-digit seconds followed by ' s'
9 h 40 min
